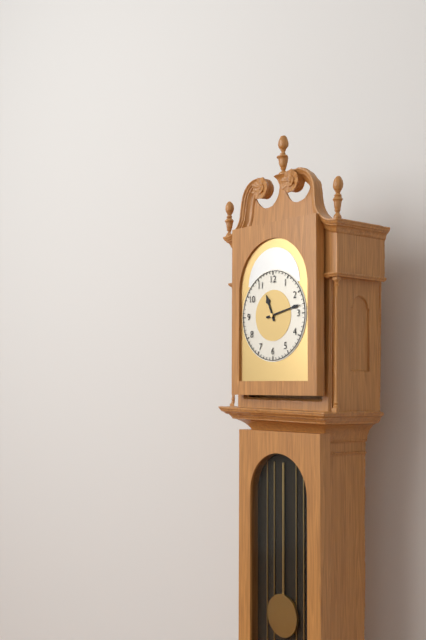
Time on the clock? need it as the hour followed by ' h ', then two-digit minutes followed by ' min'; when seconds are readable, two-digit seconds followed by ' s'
11 h 13 min
